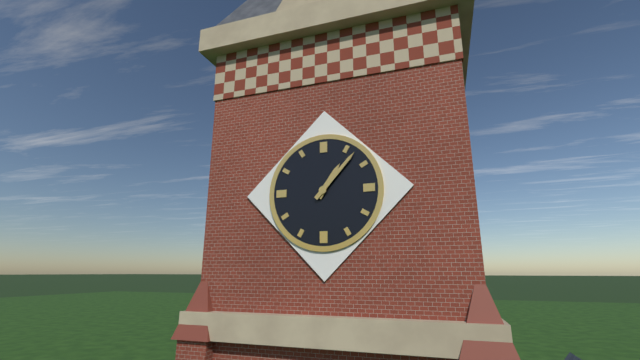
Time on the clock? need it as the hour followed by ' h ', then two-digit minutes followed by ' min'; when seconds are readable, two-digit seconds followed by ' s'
1 h 07 min
